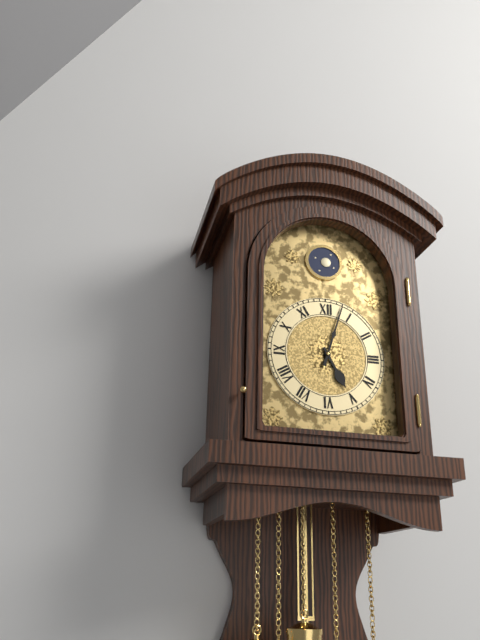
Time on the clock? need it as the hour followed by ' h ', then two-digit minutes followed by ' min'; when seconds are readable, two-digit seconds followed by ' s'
5 h 03 min
